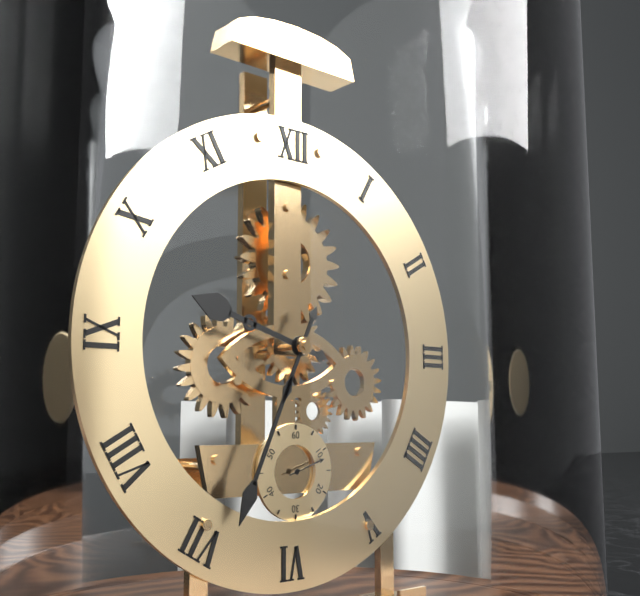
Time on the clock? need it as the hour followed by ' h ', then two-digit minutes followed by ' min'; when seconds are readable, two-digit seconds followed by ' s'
9 h 34 min
